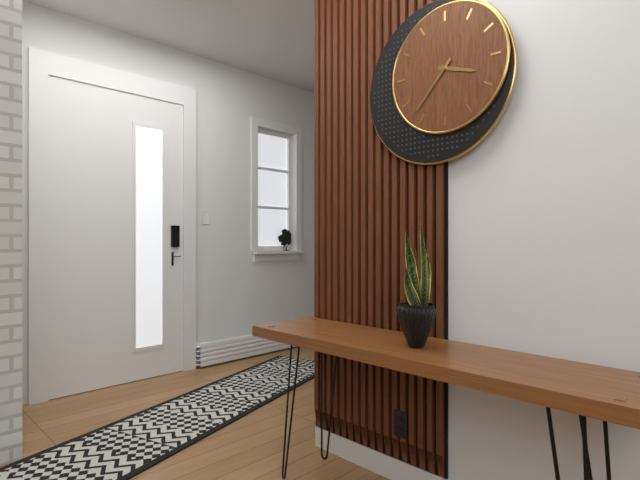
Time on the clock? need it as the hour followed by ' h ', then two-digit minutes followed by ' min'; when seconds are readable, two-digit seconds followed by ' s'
3 h 37 min
